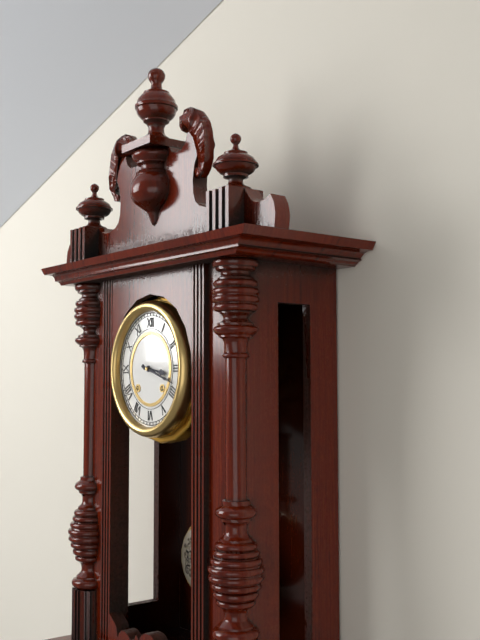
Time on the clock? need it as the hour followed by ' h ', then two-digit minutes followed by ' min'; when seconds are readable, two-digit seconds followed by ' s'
3 h 18 min
